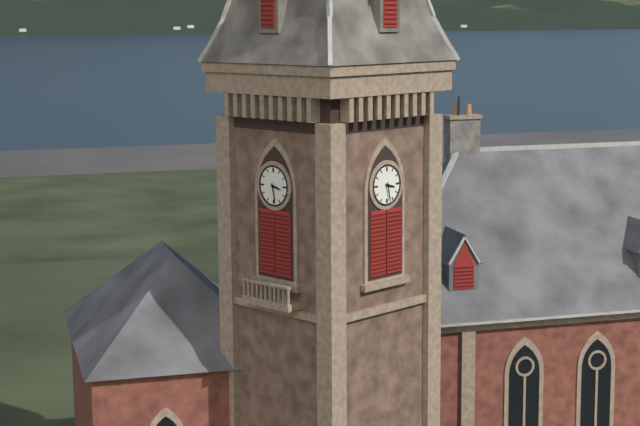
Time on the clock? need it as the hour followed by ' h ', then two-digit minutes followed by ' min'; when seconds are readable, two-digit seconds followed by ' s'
3 h 28 min
